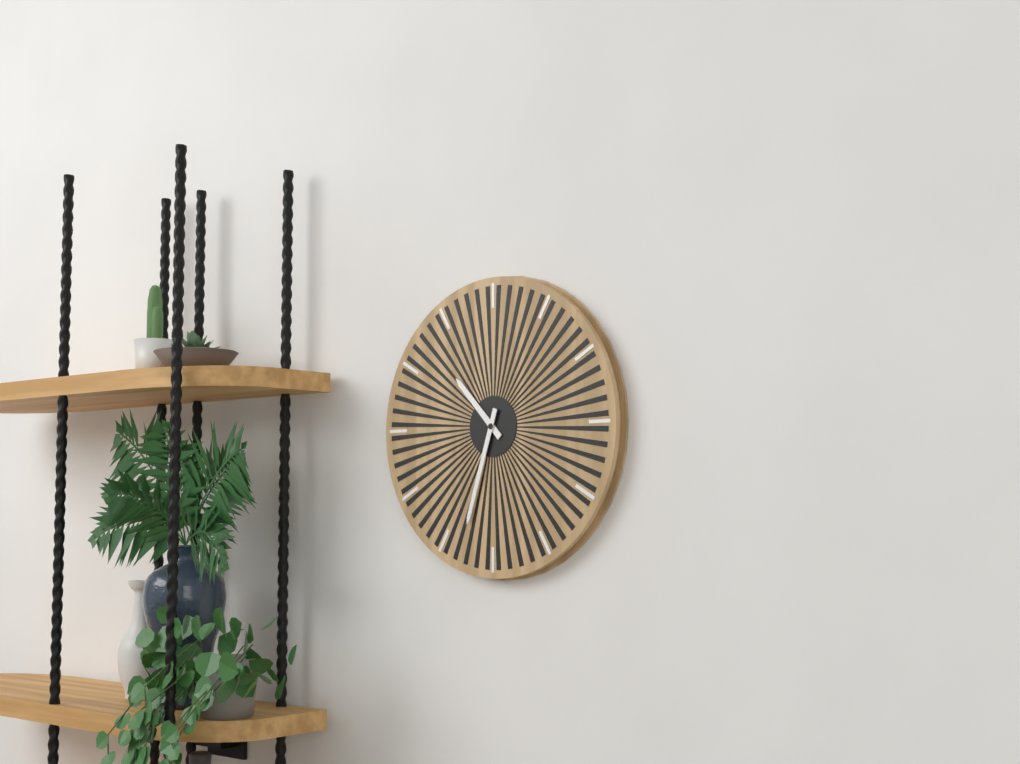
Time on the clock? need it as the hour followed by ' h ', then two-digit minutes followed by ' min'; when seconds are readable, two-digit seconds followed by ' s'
10 h 33 min
